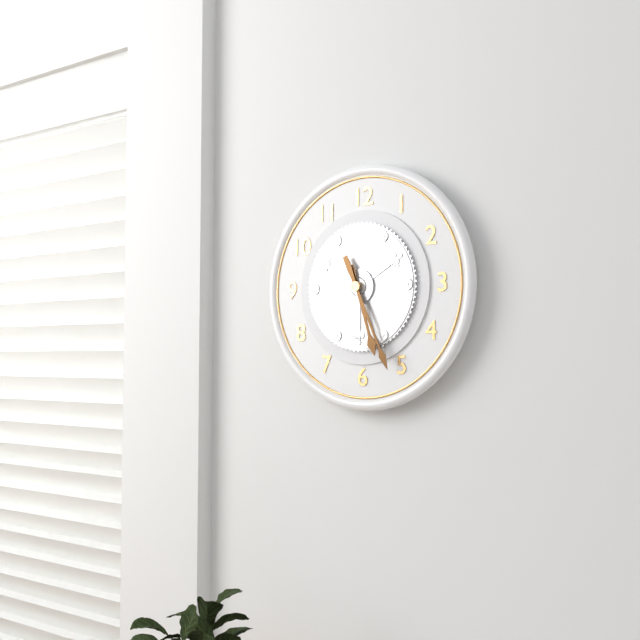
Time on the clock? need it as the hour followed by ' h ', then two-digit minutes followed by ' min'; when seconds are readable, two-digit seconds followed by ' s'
5 h 26 min
